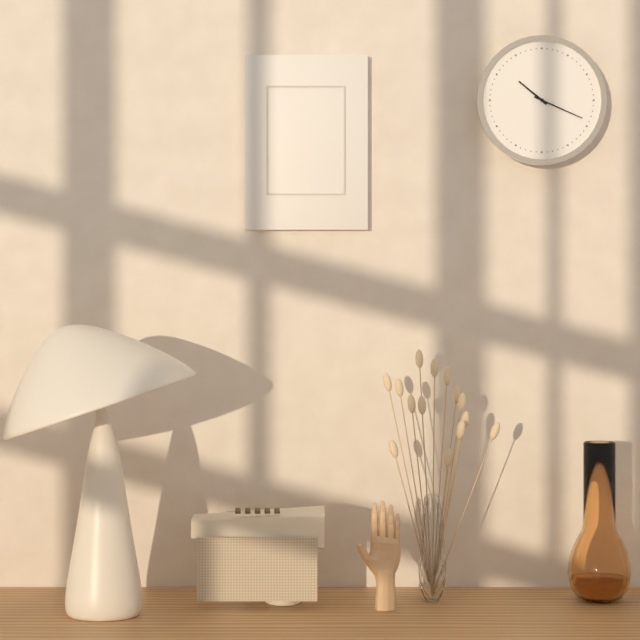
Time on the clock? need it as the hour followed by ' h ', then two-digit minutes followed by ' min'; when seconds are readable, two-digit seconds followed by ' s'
10 h 19 min
